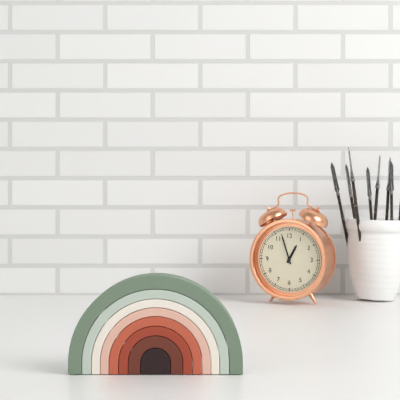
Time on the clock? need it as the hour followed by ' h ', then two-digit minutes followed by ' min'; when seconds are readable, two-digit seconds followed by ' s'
12 h 57 min
